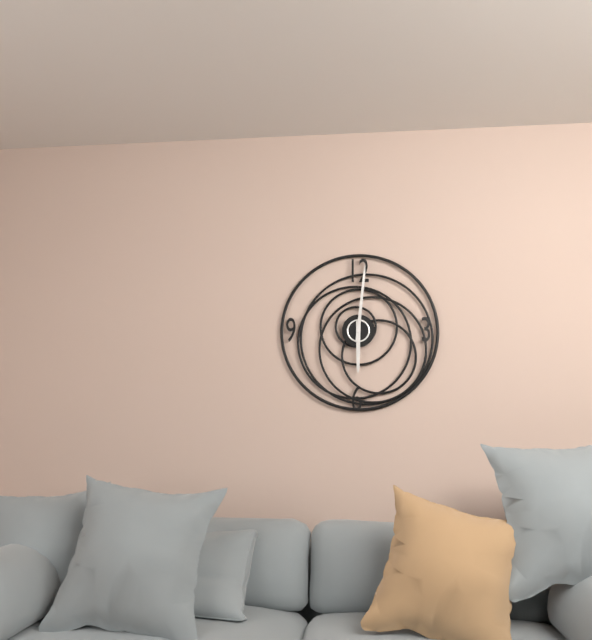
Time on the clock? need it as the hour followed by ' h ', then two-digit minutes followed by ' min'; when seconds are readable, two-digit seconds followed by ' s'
6 h 01 min
